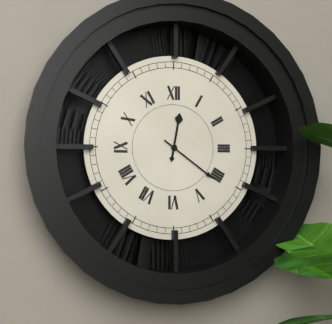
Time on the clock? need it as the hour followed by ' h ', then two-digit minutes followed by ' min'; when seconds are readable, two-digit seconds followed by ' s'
12 h 21 min
